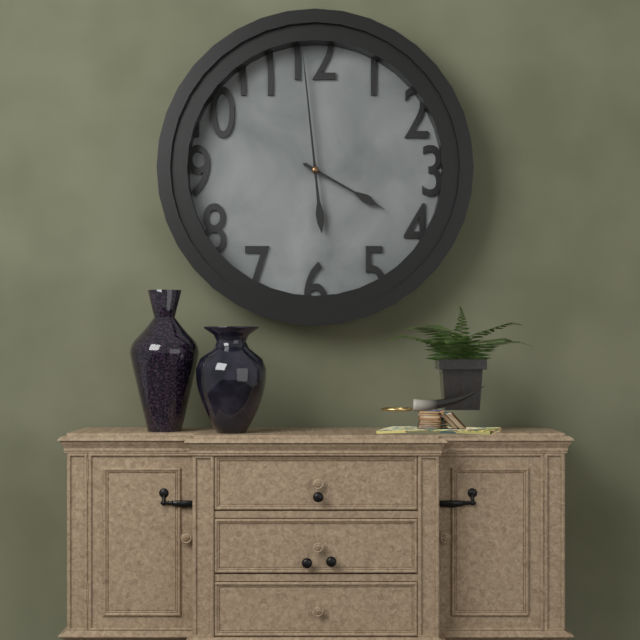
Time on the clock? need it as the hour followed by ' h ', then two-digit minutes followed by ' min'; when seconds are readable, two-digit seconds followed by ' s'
3 h 59 min
